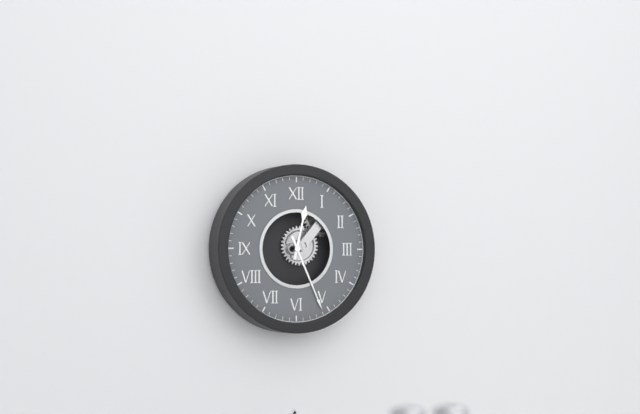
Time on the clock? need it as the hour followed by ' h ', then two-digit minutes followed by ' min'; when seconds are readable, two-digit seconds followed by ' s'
12 h 26 min
